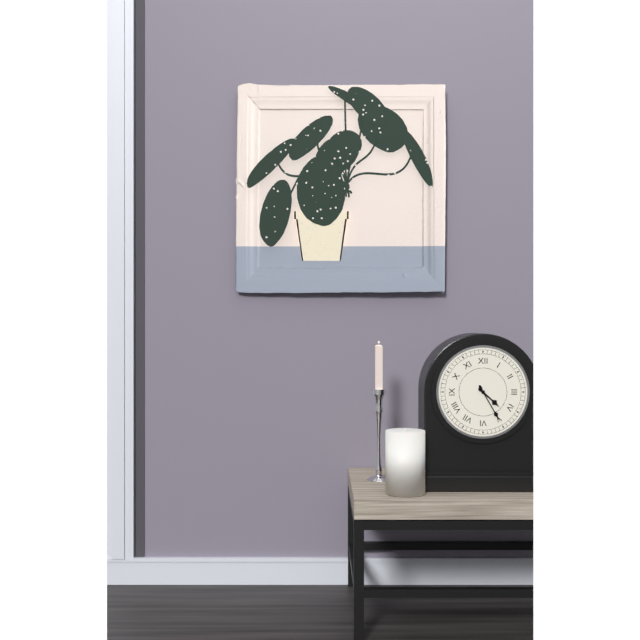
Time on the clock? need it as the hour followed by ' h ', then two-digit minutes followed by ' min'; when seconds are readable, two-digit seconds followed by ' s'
4 h 25 min
